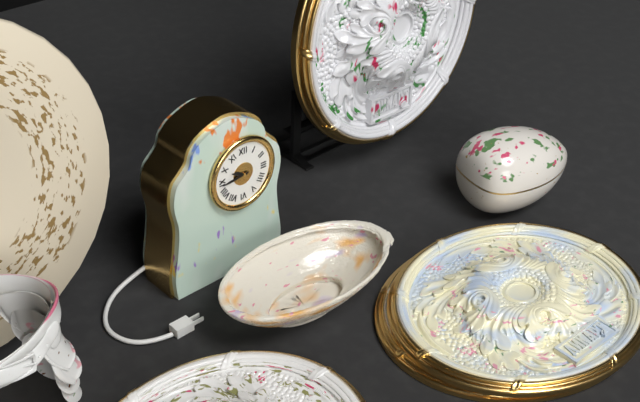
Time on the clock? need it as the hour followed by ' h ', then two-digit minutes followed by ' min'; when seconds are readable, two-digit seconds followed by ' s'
9 h 44 min
